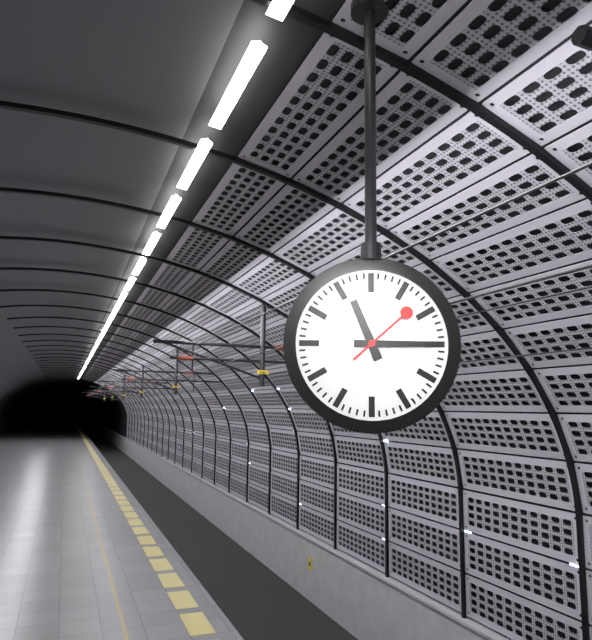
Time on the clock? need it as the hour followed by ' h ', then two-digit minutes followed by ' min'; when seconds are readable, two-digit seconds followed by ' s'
11 h 15 min 08 s
